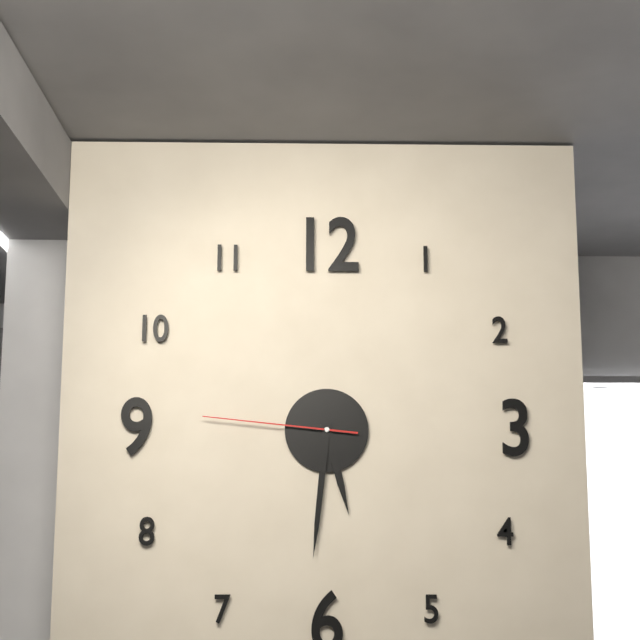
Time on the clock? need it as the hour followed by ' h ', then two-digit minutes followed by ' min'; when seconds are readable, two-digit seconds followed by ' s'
5 h 31 min 46 s
